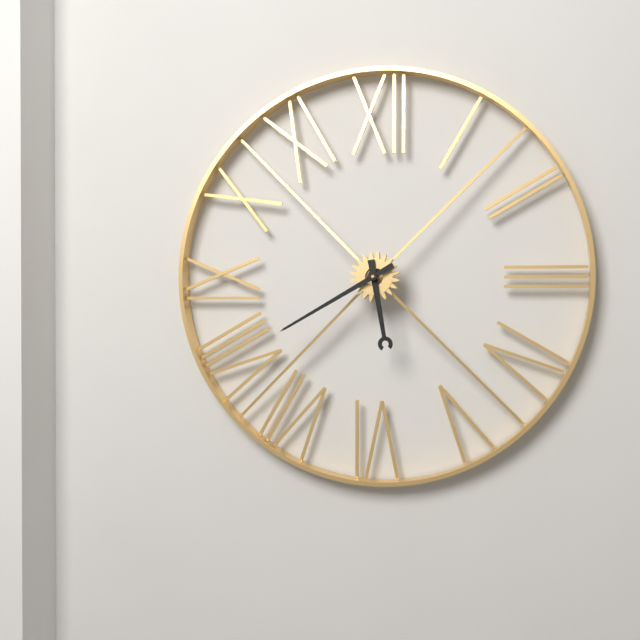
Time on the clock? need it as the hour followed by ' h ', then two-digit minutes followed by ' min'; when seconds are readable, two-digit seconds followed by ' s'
5 h 40 min
